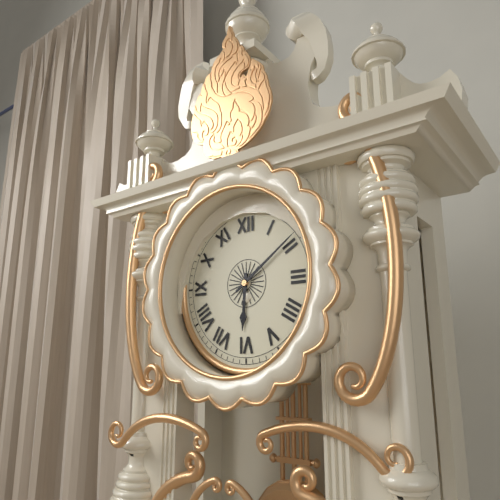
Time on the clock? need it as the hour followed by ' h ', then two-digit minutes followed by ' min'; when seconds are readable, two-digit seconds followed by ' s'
6 h 09 min
